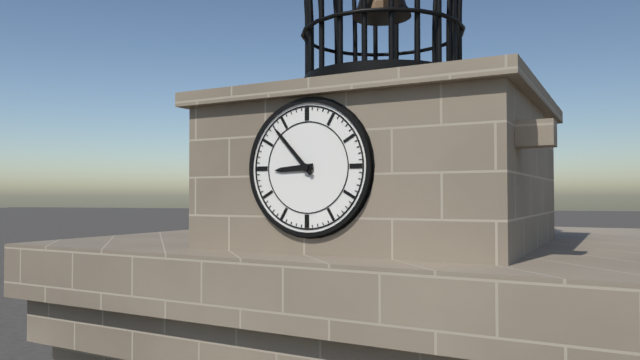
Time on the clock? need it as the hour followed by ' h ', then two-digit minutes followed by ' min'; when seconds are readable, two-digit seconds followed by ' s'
8 h 53 min
